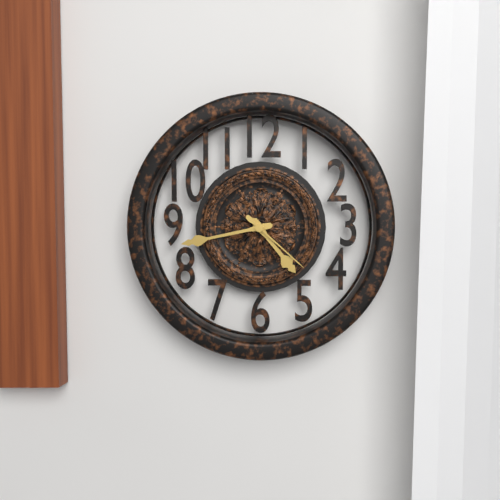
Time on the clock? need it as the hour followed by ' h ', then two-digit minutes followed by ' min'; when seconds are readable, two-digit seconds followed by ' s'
4 h 43 min 22 s
